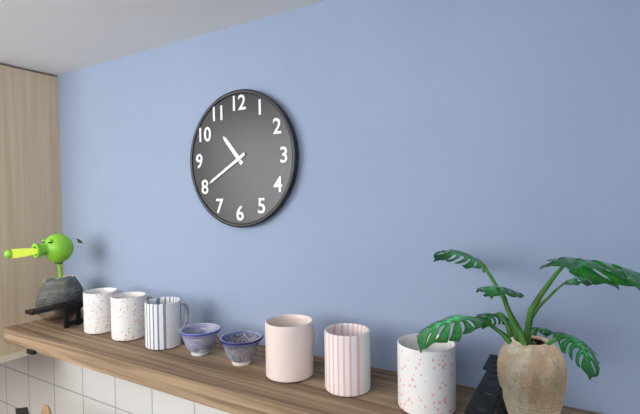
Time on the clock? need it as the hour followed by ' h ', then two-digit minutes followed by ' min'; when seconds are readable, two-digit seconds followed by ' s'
10 h 40 min
